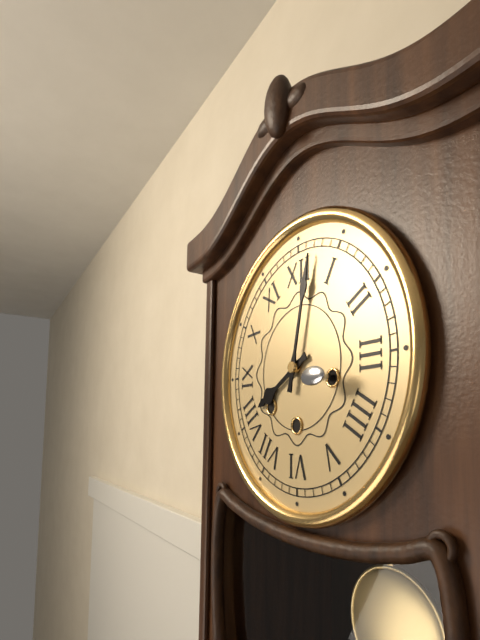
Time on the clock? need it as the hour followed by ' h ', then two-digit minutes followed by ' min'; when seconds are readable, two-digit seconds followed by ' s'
8 h 02 min
